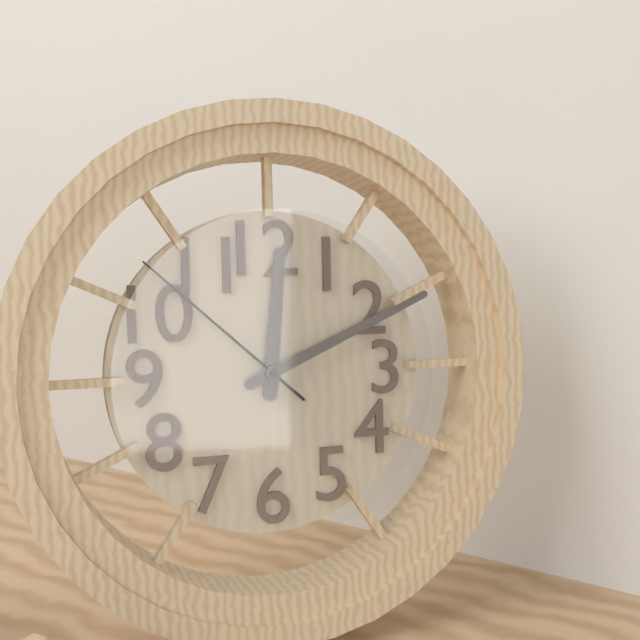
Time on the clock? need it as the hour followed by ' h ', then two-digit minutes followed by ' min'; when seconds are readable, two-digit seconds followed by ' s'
12 h 11 min 52 s
